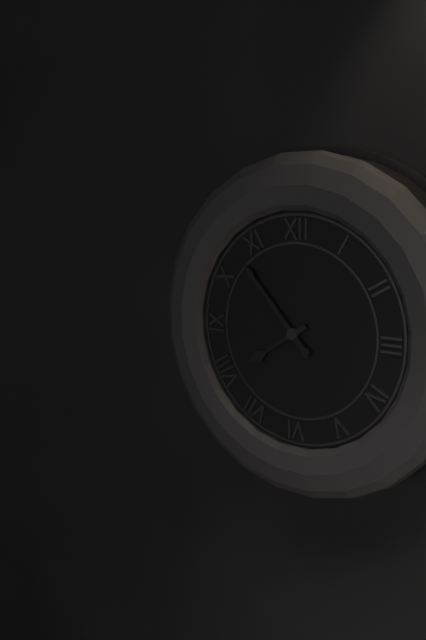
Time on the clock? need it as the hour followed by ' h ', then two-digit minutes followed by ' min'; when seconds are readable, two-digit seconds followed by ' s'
7 h 53 min
